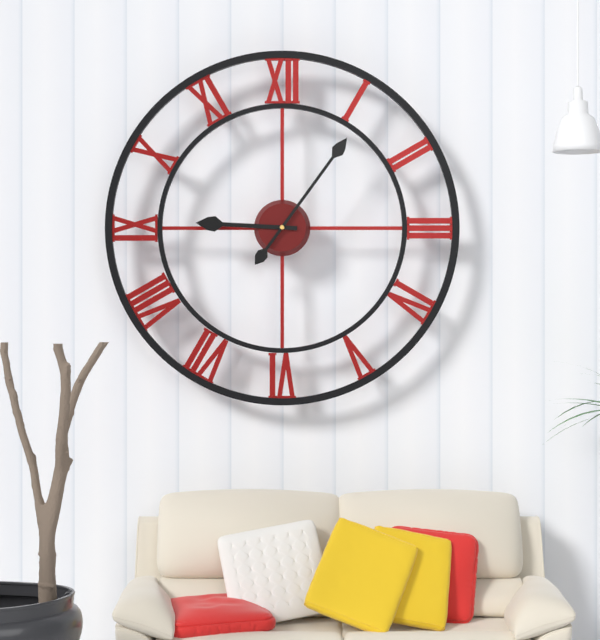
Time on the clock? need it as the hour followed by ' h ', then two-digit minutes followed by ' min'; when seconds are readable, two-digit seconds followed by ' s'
9 h 06 min
